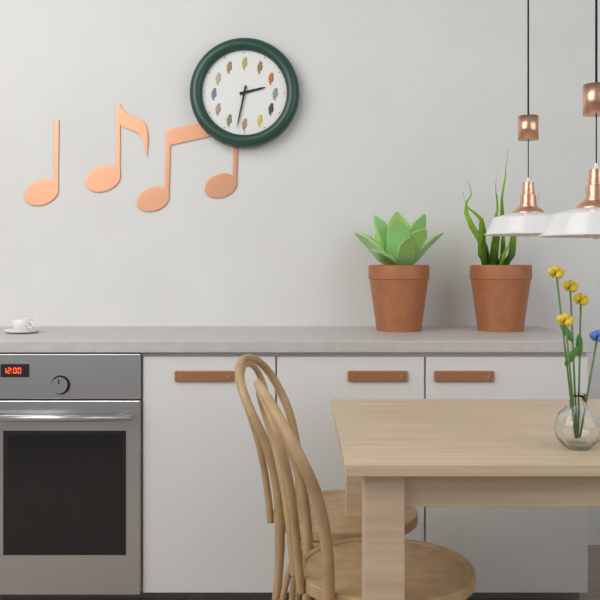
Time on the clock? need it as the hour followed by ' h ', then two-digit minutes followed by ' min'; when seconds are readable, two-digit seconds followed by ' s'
2 h 32 min
